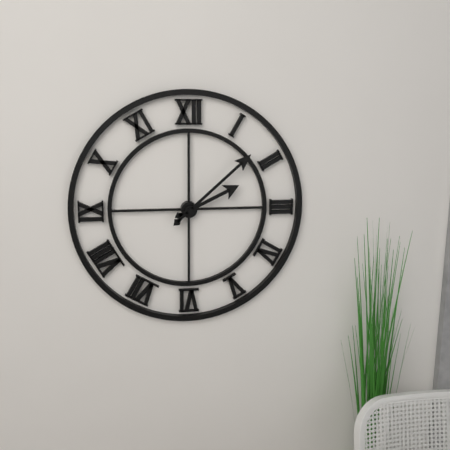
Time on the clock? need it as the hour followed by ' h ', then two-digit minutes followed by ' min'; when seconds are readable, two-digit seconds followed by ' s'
2 h 08 min
